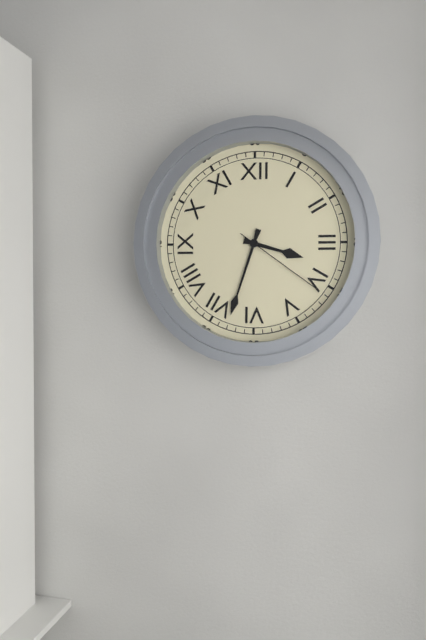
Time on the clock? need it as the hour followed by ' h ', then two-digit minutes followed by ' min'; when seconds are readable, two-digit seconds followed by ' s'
3 h 33 min 21 s
